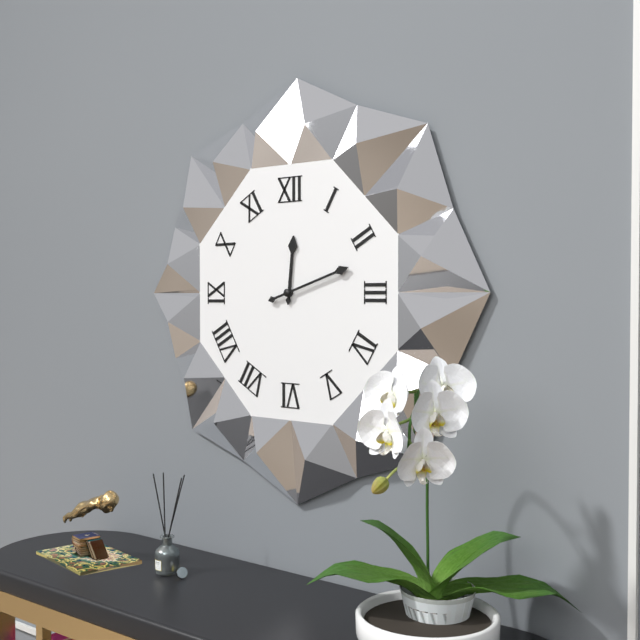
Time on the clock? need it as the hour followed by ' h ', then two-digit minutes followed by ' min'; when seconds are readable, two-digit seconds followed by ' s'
12 h 12 min
